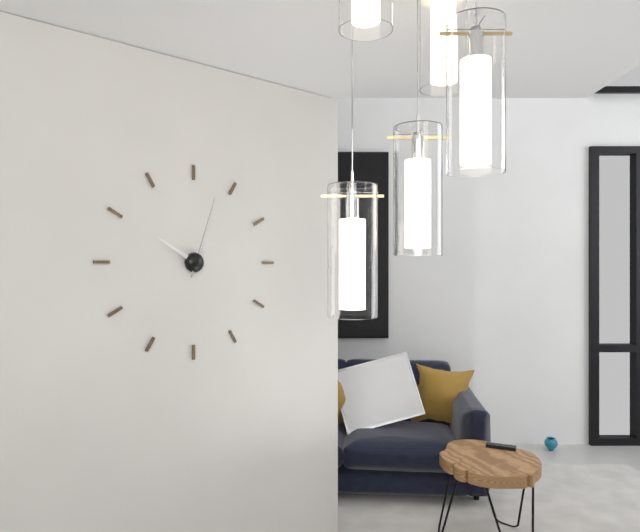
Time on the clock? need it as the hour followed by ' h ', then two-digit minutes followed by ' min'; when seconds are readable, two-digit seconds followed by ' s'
10 h 03 min
